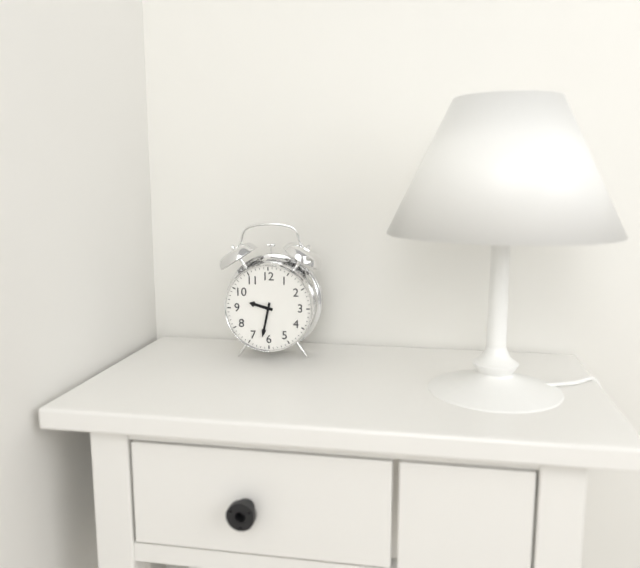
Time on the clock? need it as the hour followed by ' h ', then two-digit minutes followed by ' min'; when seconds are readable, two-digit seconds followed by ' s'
9 h 32 min
